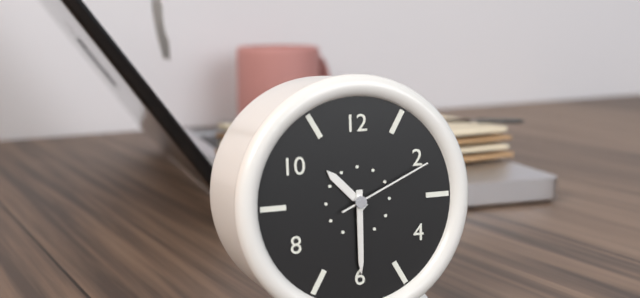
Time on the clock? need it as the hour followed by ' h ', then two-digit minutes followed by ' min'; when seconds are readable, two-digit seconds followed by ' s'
10 h 30 min 11 s
